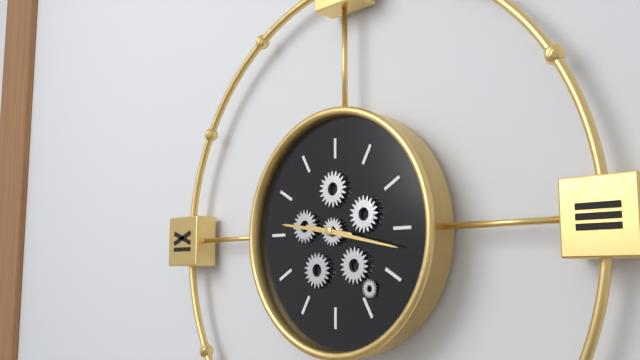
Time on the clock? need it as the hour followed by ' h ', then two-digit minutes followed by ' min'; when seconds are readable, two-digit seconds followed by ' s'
9 h 17 min
